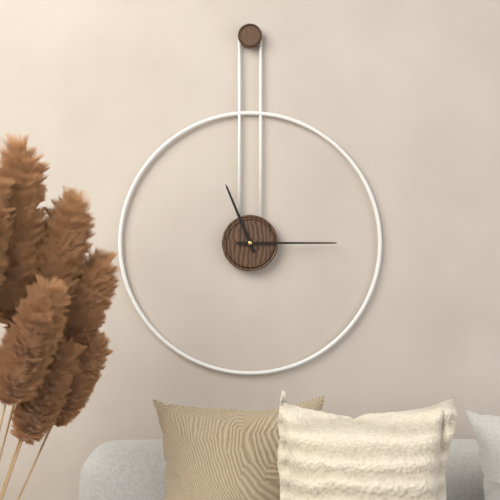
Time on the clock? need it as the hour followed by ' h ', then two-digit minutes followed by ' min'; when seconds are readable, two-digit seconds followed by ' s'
11 h 15 min
